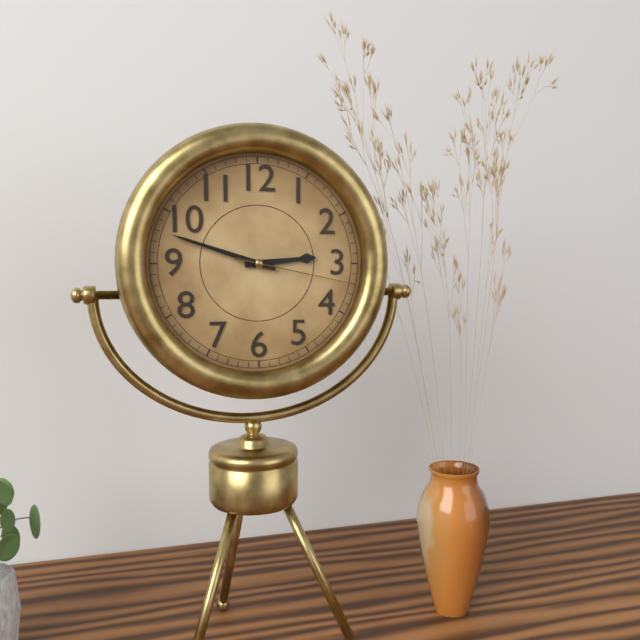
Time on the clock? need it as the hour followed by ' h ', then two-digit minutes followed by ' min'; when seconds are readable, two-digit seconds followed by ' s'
2 h 48 min 17 s
